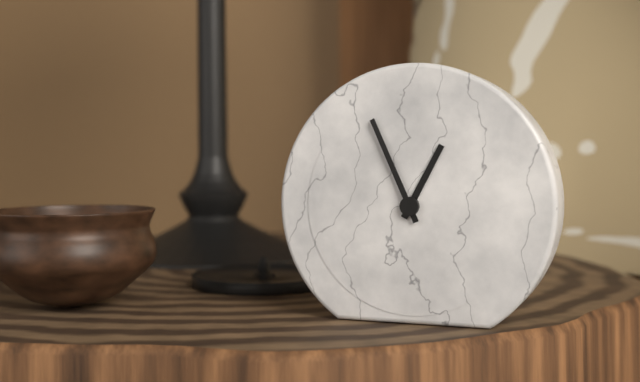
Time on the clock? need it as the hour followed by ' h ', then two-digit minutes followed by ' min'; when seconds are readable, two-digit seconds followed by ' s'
12 h 56 min
